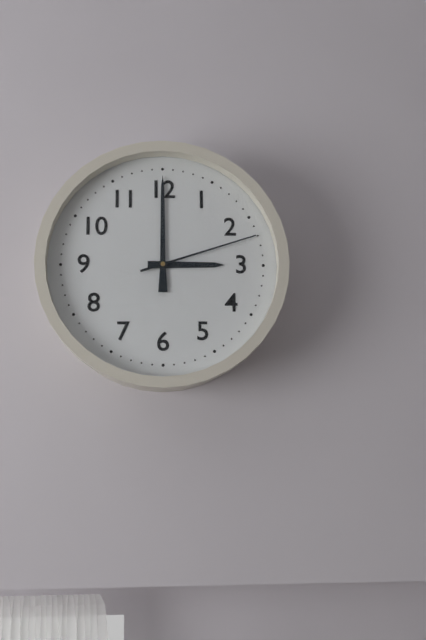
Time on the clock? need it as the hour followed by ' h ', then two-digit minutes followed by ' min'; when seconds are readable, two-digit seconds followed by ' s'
3 h 00 min 12 s
